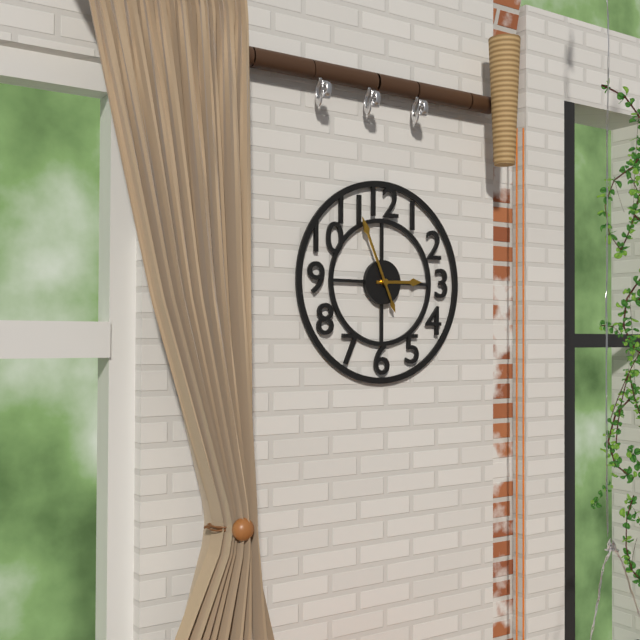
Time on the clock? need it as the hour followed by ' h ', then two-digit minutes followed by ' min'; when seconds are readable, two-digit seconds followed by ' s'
2 h 56 min
